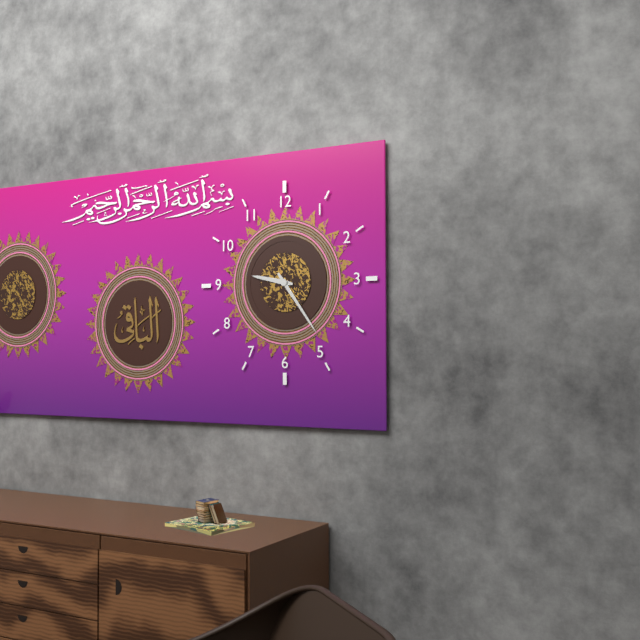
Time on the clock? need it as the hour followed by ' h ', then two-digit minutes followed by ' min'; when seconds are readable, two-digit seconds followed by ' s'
9 h 24 min
